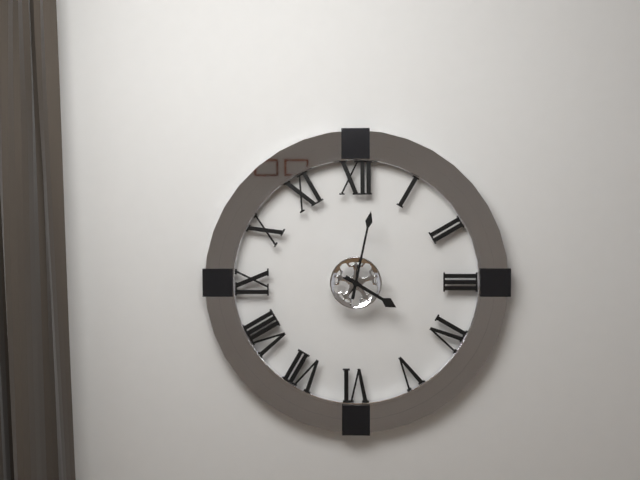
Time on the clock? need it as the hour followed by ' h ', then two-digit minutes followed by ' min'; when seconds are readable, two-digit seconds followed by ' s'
4 h 02 min
